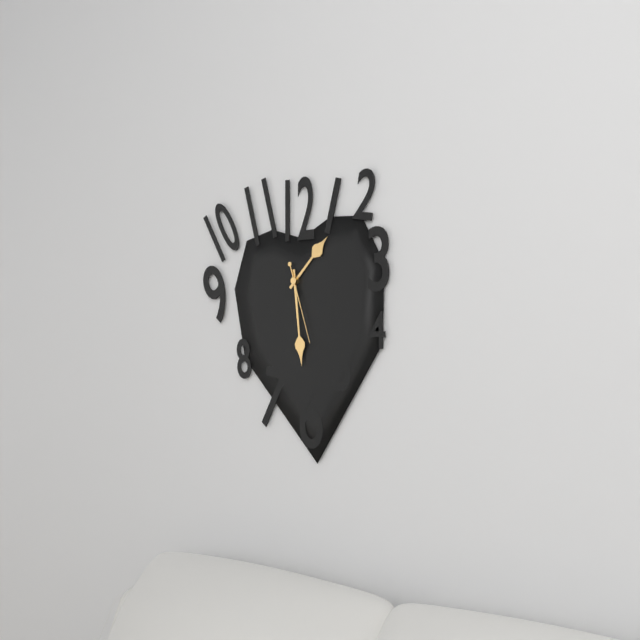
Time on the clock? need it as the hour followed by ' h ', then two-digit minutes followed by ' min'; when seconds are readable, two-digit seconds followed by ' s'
1 h 29 min 27 s
